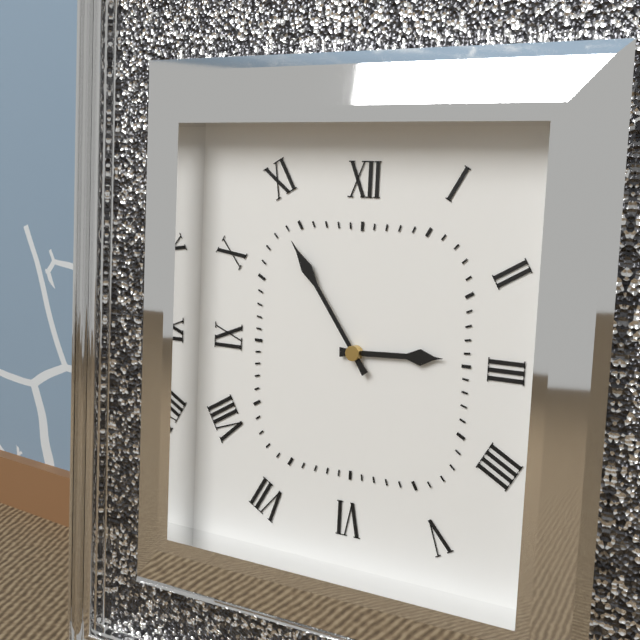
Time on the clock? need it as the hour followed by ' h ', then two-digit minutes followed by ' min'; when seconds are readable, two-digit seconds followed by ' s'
2 h 54 min
